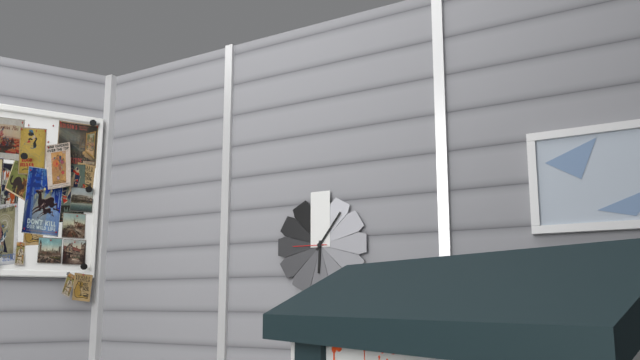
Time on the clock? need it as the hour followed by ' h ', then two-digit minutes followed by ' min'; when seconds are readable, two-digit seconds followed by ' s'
6 h 06 min
